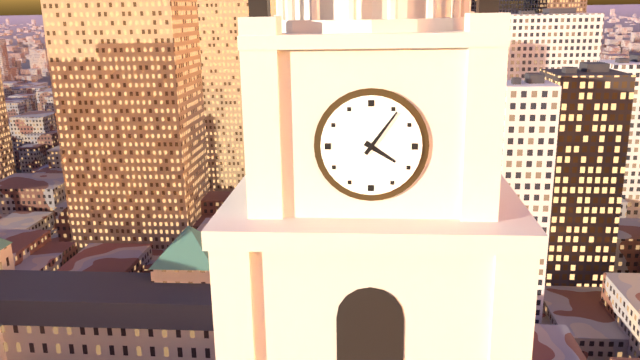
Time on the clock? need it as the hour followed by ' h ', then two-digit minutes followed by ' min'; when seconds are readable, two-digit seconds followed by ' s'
4 h 06 min
